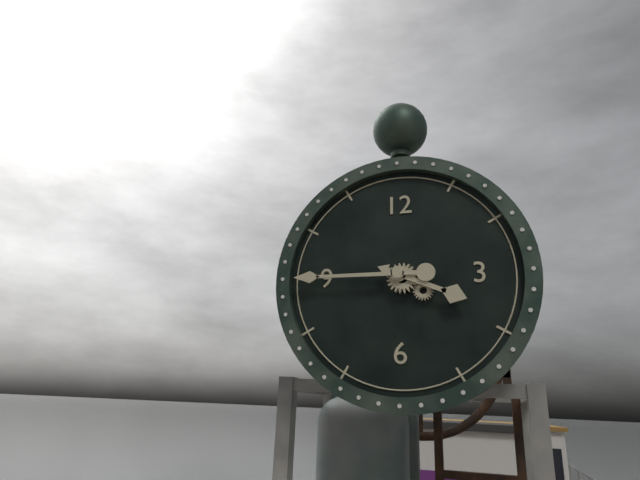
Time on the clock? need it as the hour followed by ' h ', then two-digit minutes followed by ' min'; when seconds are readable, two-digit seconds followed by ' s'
3 h 45 min
